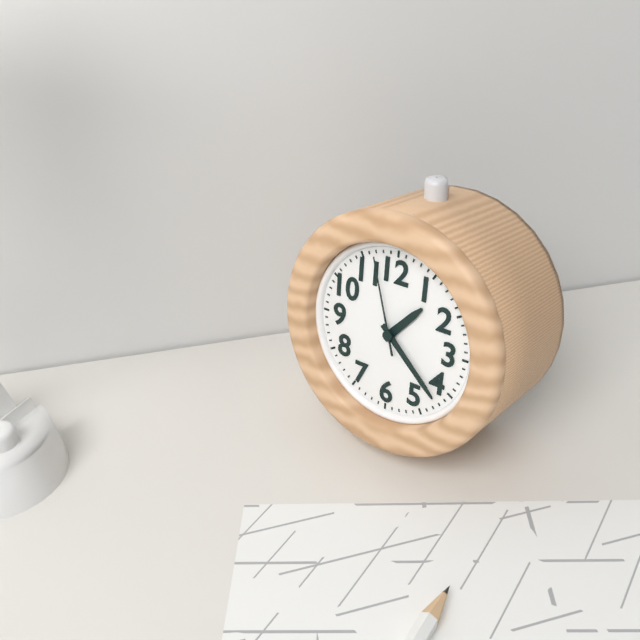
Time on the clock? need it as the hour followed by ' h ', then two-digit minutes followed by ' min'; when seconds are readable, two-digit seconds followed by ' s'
1 h 22 min 57 s
